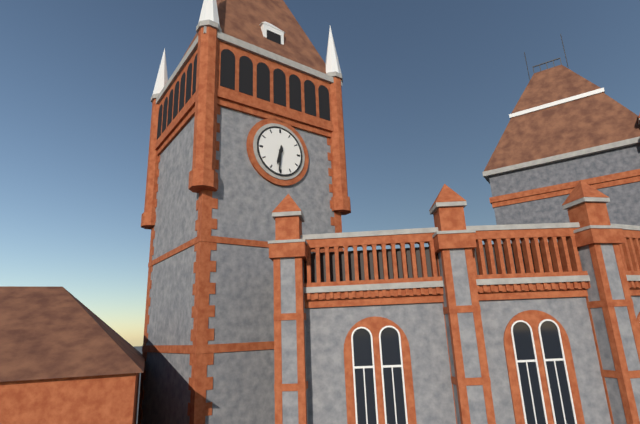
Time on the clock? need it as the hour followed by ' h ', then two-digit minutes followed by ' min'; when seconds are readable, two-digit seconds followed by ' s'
6 h 31 min
